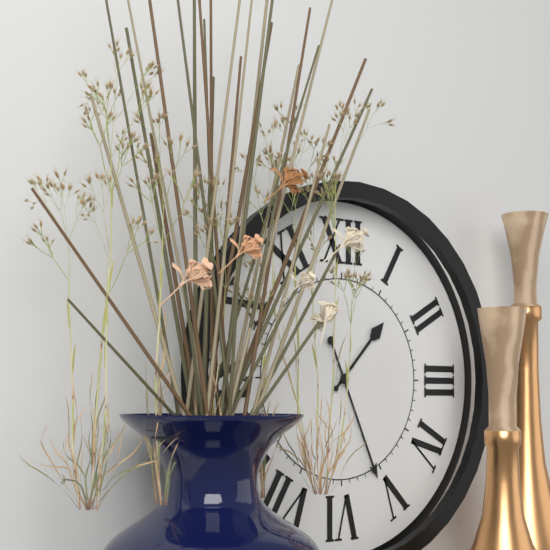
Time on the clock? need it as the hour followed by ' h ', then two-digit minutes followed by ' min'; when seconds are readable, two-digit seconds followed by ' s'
1 h 26 min
